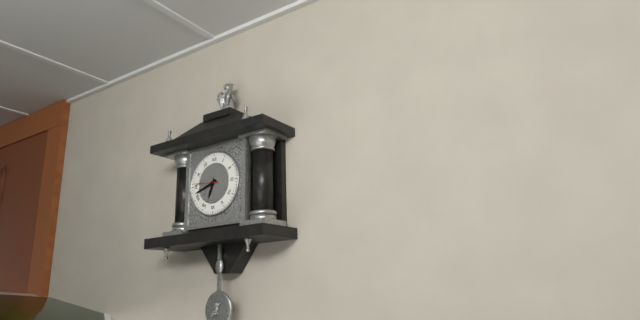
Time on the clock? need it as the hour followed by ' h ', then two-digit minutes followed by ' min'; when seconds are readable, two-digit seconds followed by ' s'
6 h 42 min 46 s
